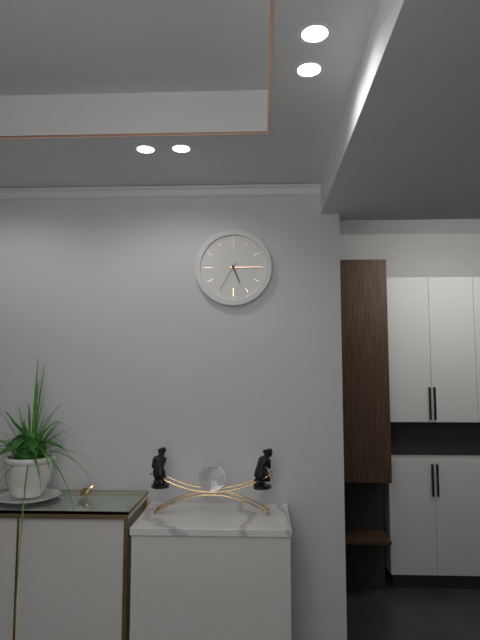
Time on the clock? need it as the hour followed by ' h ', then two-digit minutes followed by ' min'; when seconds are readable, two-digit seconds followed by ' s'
5 h 15 min
